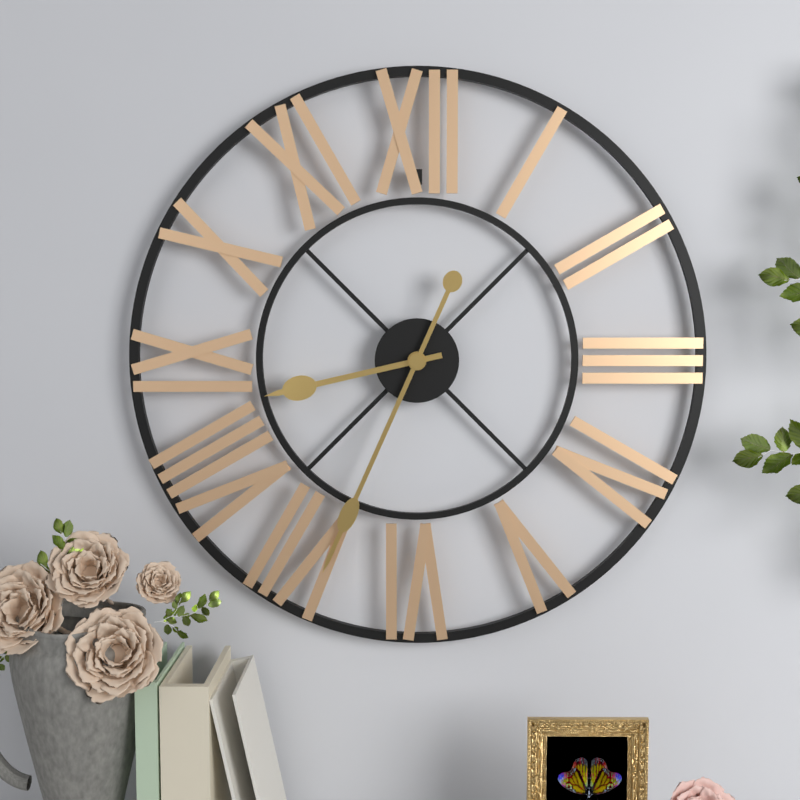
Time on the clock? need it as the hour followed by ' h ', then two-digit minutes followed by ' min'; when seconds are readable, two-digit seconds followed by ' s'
8 h 34 min
